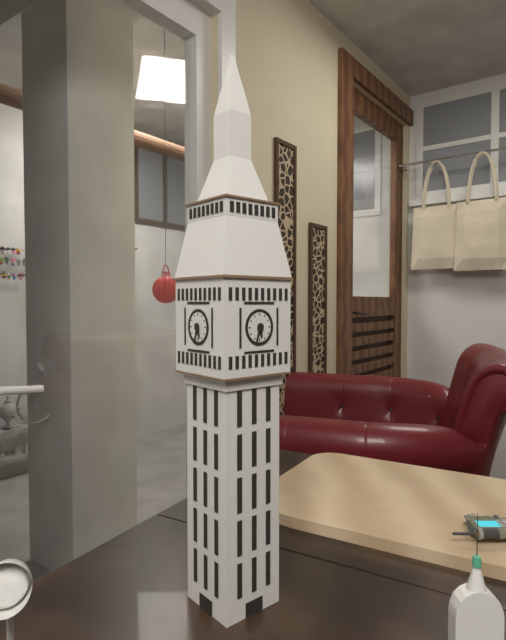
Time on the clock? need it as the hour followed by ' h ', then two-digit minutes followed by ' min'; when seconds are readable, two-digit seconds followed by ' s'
5 h 33 min
